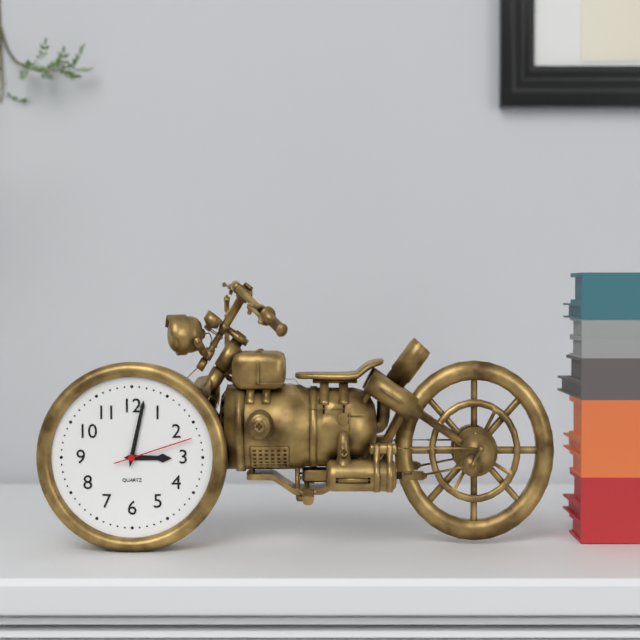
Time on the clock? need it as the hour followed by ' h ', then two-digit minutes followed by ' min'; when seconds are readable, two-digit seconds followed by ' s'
3 h 02 min 12 s
